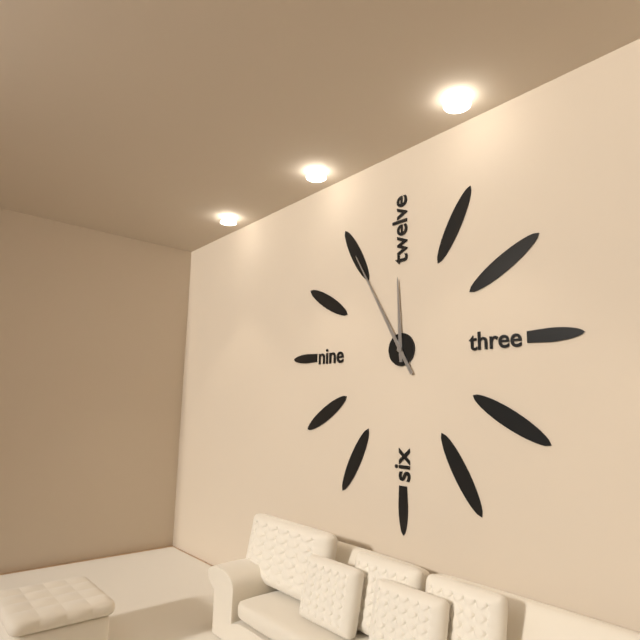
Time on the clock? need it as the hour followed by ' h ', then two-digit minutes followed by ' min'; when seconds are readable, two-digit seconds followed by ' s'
11 h 55 min
